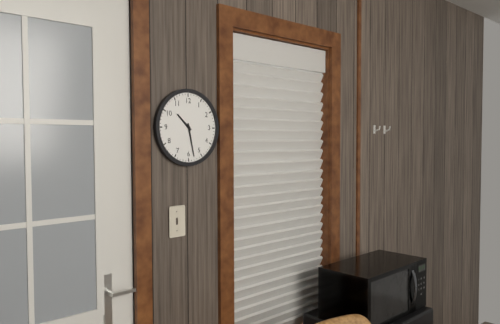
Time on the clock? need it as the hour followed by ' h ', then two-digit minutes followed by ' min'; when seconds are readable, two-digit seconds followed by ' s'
10 h 28 min
